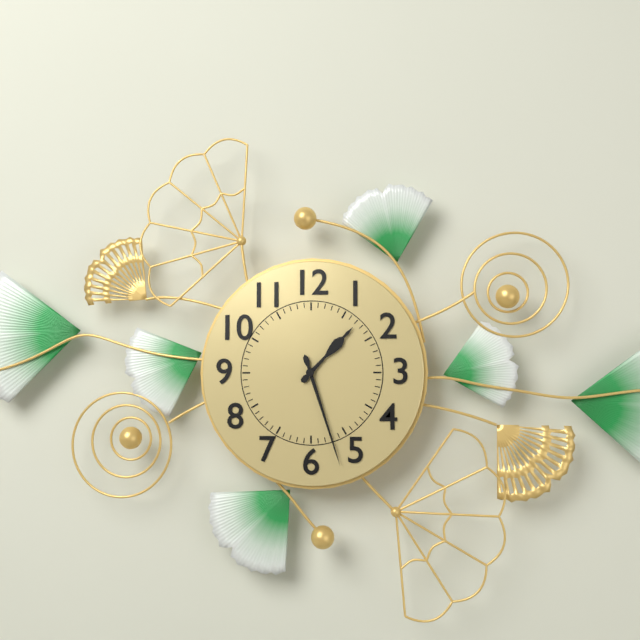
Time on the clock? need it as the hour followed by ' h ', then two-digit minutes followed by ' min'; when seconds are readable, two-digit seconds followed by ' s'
1 h 27 min
